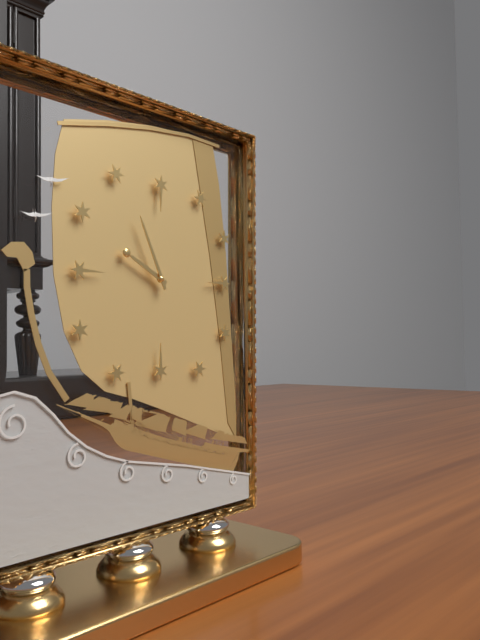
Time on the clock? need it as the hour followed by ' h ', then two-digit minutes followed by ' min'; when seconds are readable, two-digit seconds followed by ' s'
9 h 56 min
